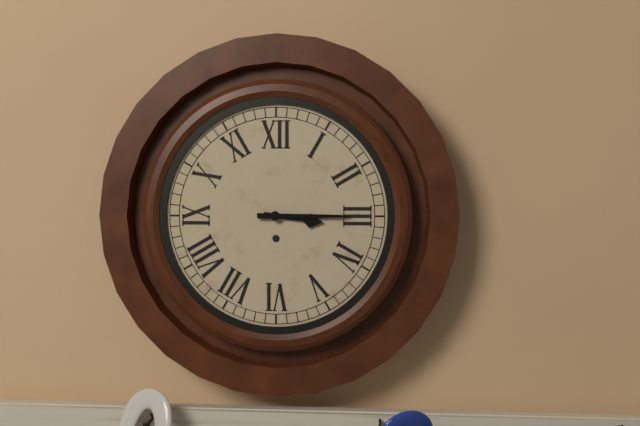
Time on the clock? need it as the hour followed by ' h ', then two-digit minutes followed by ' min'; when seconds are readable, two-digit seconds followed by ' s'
3 h 15 min
